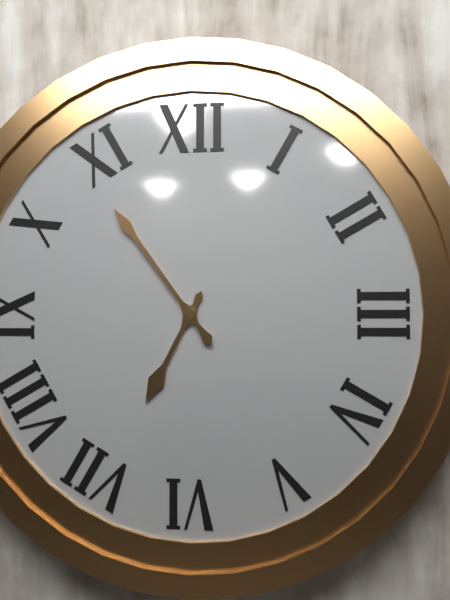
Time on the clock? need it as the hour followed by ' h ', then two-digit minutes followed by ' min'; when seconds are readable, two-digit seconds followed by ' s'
6 h 54 min
